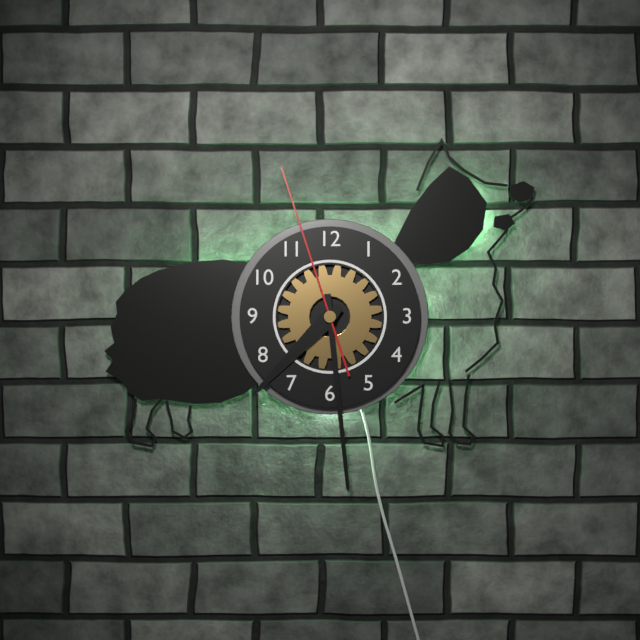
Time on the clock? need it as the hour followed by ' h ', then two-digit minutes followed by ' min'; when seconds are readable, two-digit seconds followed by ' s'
7 h 29 min 57 s
